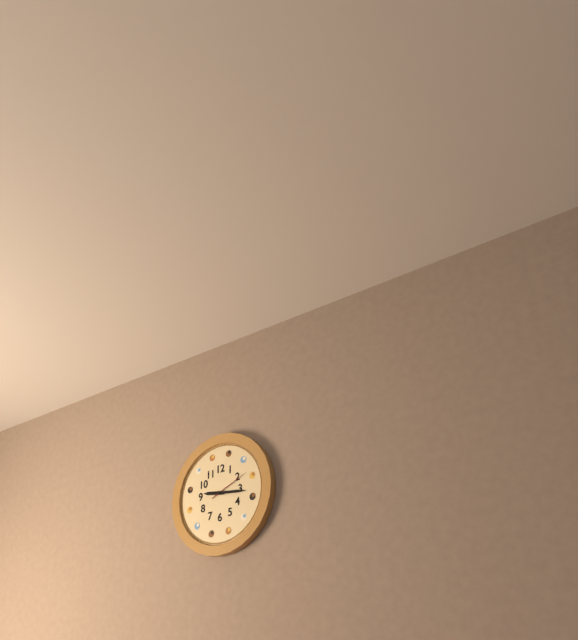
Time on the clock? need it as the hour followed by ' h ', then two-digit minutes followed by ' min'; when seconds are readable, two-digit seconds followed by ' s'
9 h 16 min
